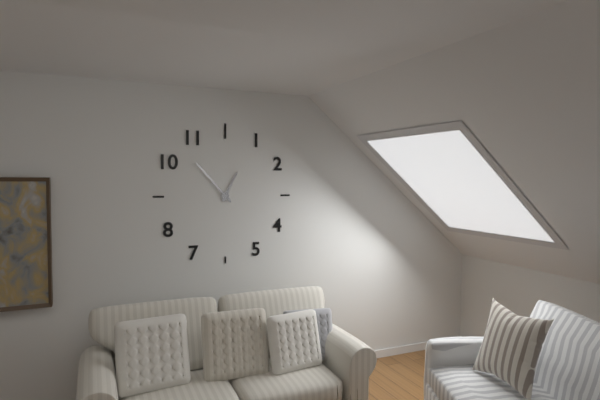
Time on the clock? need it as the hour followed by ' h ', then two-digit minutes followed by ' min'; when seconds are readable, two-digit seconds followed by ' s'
12 h 53 min
